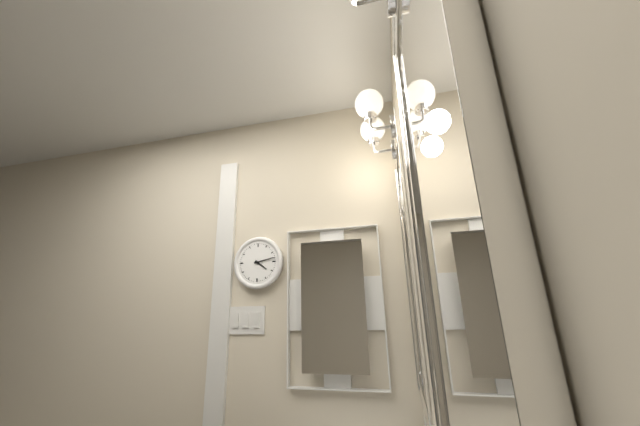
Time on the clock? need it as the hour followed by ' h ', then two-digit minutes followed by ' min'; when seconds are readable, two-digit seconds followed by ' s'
4 h 13 min
